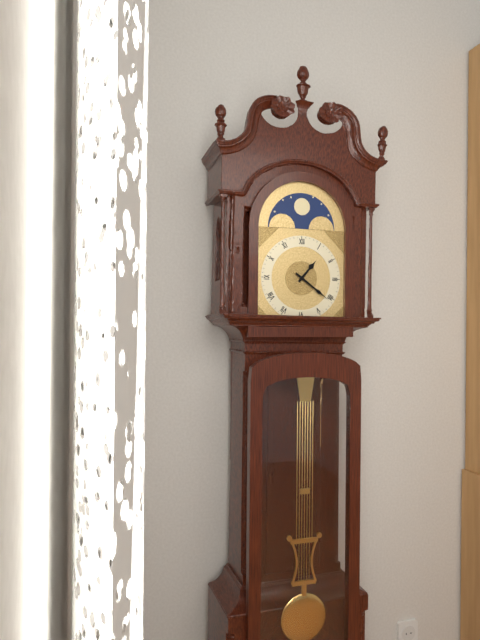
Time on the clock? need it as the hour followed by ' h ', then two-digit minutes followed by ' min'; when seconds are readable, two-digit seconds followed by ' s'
1 h 21 min
